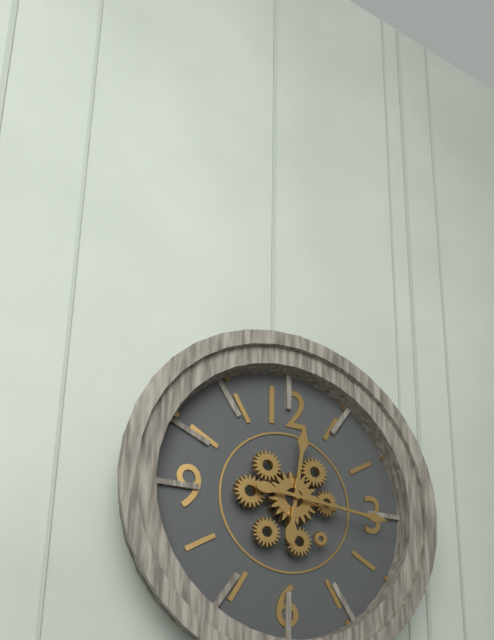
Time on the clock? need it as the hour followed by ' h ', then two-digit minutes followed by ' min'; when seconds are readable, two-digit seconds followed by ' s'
12 h 16 min
